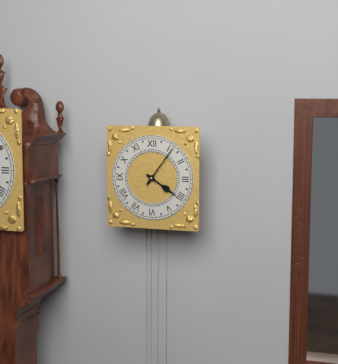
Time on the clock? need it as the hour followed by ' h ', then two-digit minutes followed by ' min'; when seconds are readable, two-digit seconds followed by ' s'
4 h 06 min
